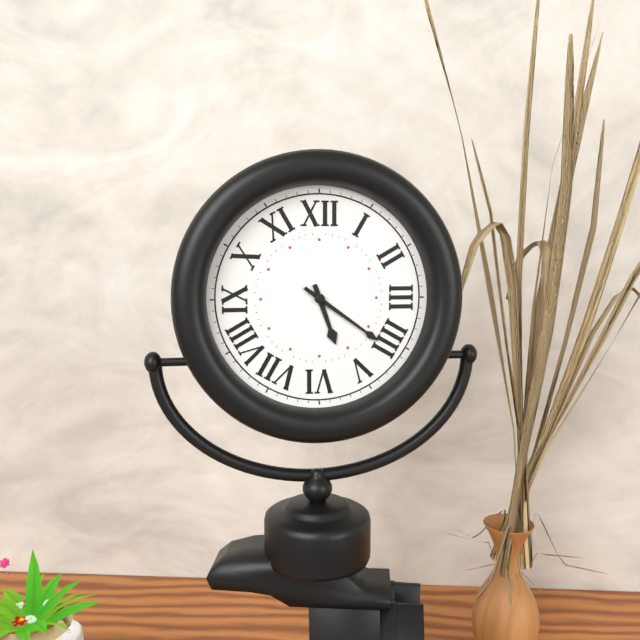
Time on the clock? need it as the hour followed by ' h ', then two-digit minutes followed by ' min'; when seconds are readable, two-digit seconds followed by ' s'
5 h 21 min
